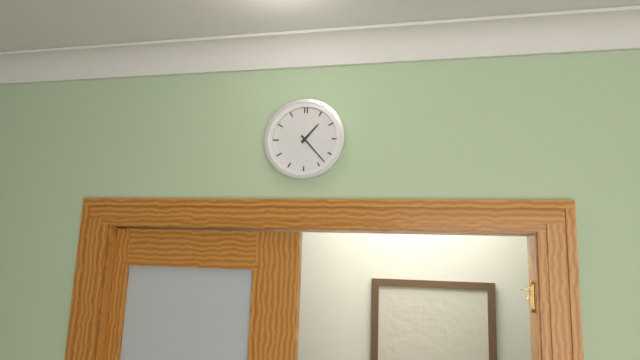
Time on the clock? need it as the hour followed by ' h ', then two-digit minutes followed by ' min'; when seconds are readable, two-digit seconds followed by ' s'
1 h 23 min
